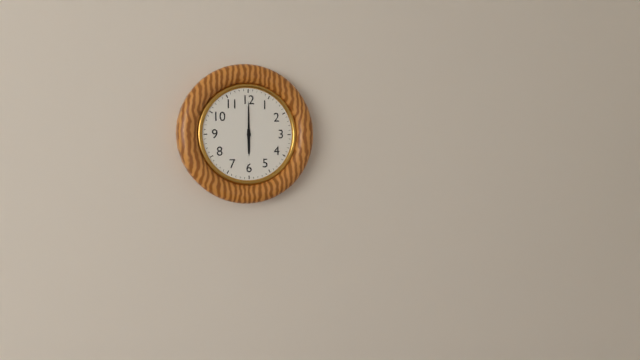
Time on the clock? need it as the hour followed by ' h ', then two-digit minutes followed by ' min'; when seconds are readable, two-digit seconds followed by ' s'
6 h 00 min
